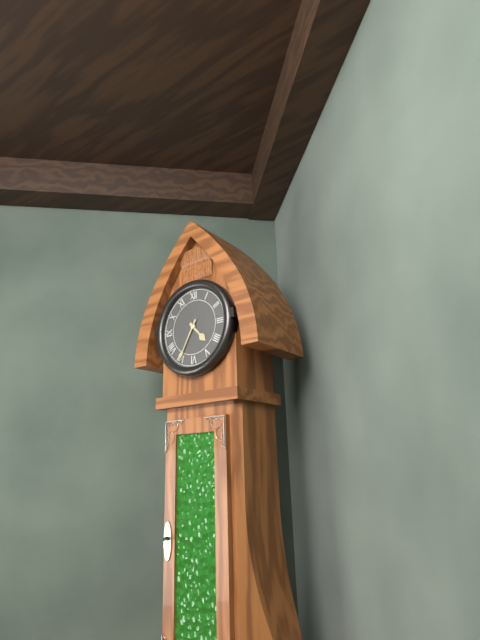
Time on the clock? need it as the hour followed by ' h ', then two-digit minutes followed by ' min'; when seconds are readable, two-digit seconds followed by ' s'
4 h 35 min
